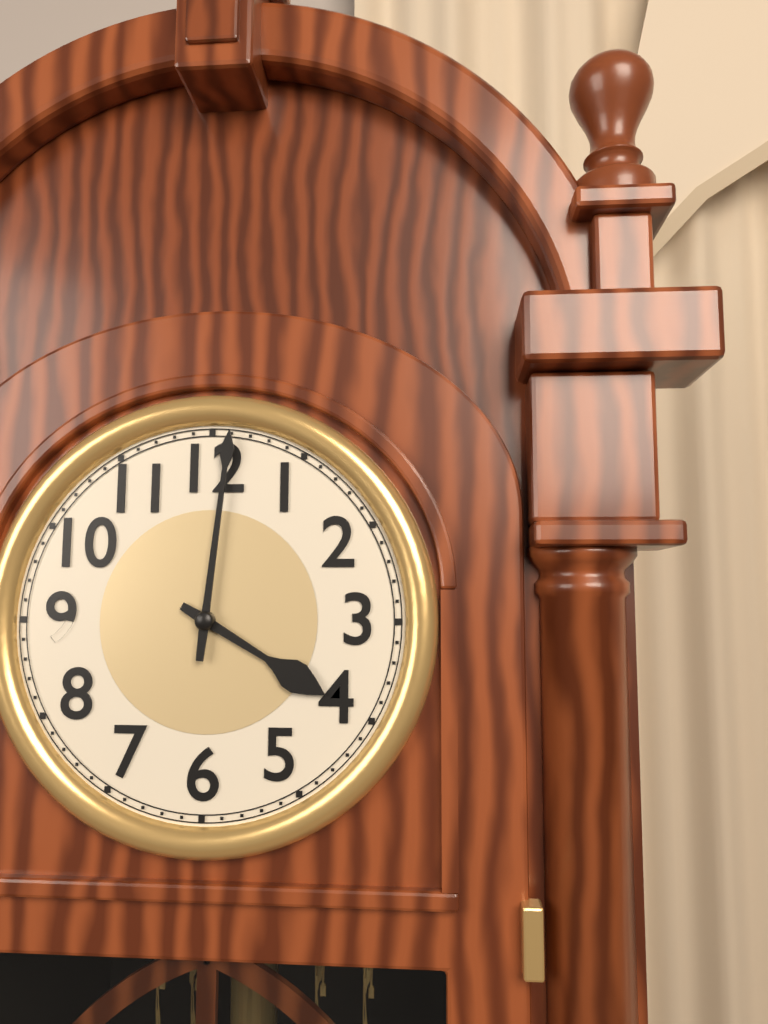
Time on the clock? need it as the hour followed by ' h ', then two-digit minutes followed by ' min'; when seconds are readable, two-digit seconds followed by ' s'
4 h 01 min
